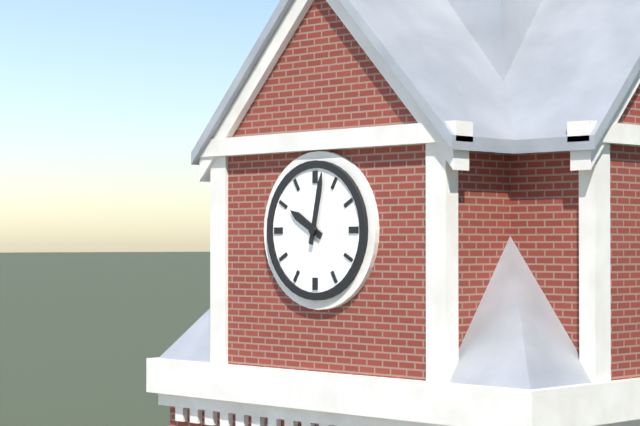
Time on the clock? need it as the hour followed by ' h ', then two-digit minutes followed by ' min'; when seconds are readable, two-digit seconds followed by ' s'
10 h 02 min
